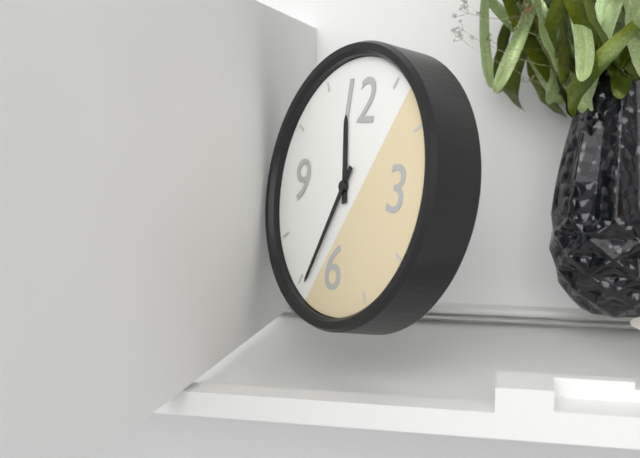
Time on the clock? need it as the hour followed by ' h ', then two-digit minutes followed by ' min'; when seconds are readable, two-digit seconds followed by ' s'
11 h 34 min
